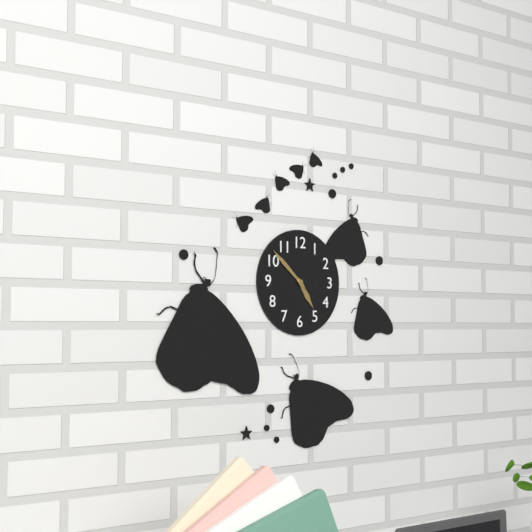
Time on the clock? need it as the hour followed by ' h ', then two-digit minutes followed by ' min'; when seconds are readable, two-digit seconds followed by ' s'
4 h 52 min
